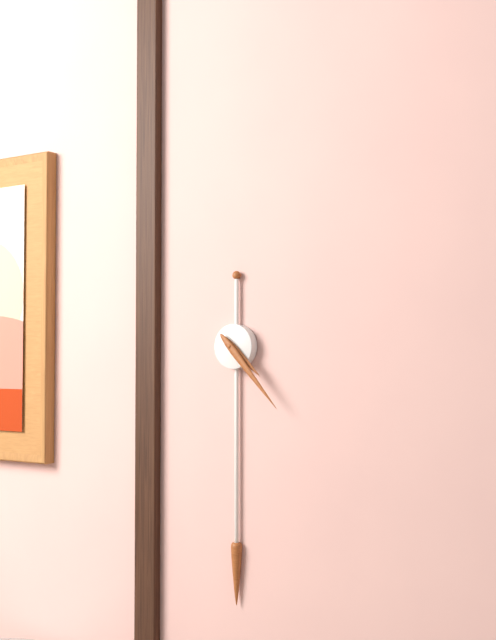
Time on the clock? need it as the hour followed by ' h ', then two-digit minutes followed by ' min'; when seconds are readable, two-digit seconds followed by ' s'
4 h 23 min
